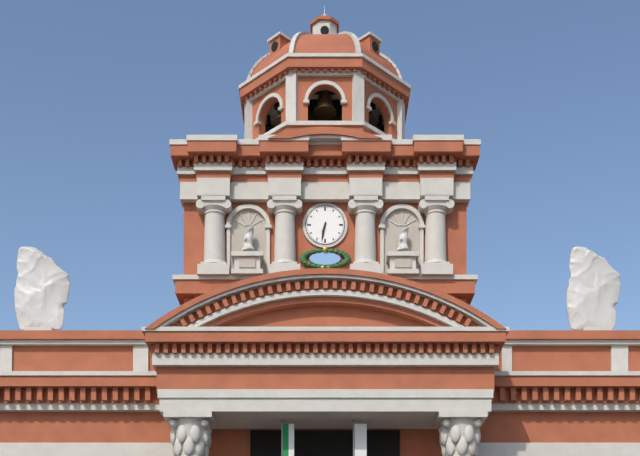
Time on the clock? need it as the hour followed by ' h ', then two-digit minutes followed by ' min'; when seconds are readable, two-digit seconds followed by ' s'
6 h 32 min
